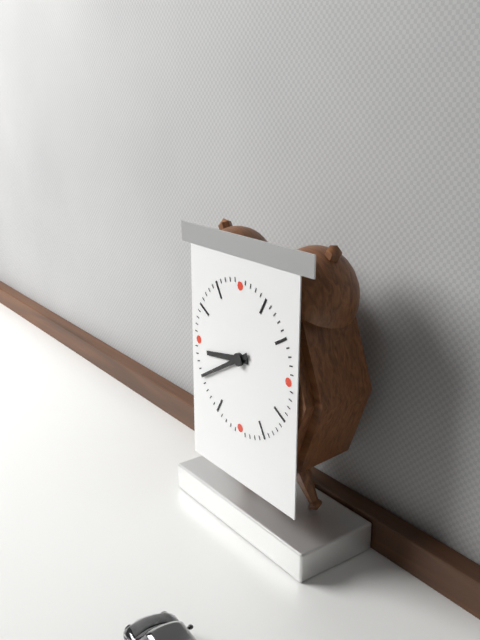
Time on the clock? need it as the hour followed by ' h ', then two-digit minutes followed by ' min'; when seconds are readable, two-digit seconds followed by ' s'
8 h 40 min
